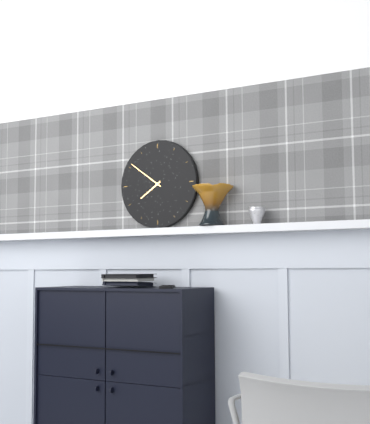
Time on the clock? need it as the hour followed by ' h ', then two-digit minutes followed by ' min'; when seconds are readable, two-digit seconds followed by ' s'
7 h 51 min
